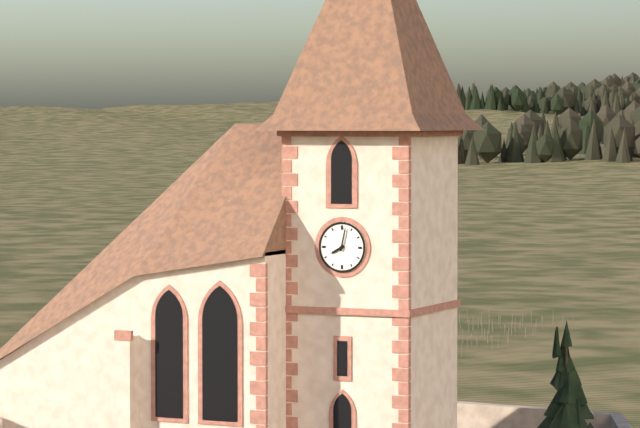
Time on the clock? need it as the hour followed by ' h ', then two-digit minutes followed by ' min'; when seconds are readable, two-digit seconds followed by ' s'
8 h 02 min
